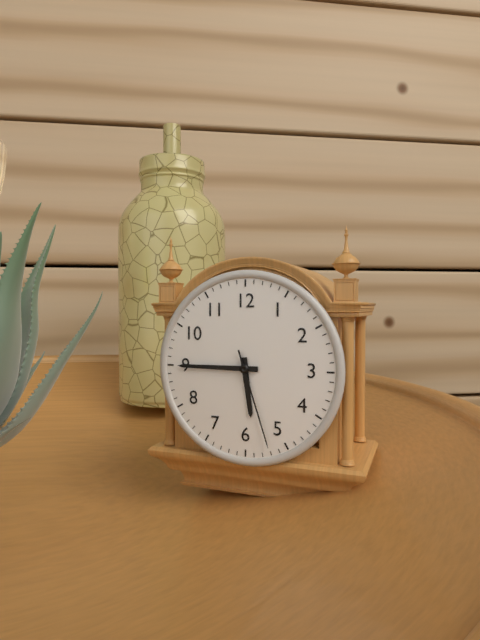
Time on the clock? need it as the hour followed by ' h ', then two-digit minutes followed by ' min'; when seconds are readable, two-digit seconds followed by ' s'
5 h 45 min 27 s
